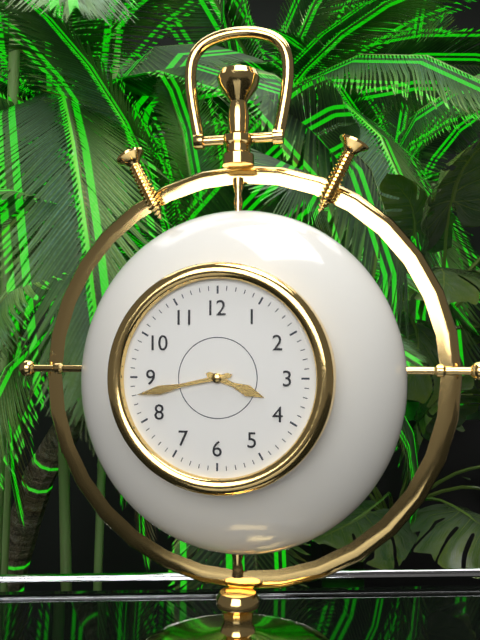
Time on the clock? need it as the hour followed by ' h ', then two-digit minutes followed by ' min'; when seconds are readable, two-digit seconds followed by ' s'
3 h 43 min
